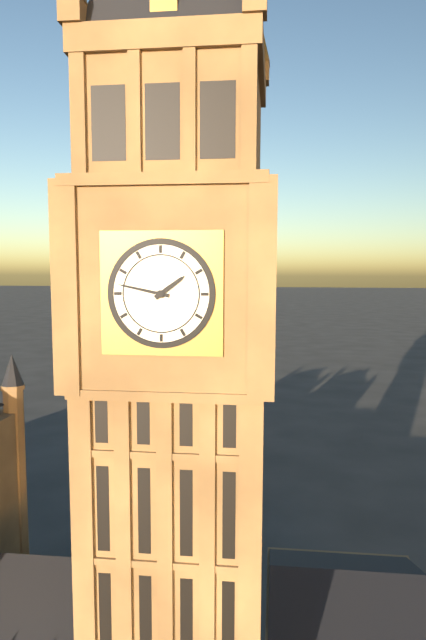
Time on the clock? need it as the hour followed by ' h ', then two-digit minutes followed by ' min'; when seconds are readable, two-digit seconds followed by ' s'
1 h 47 min
